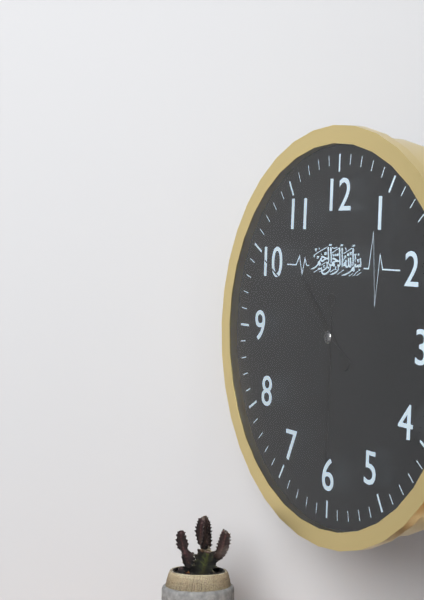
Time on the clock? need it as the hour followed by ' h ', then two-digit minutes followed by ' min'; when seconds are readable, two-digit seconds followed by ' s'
10 h 30 min 50 s
